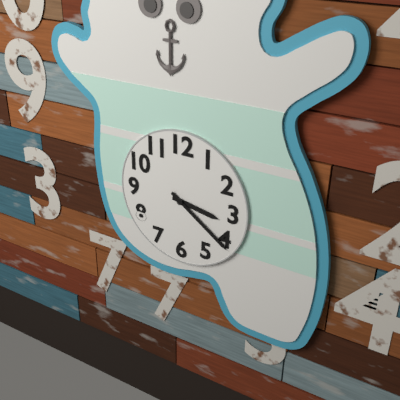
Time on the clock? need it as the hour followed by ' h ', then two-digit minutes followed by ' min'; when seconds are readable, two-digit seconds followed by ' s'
3 h 21 min
